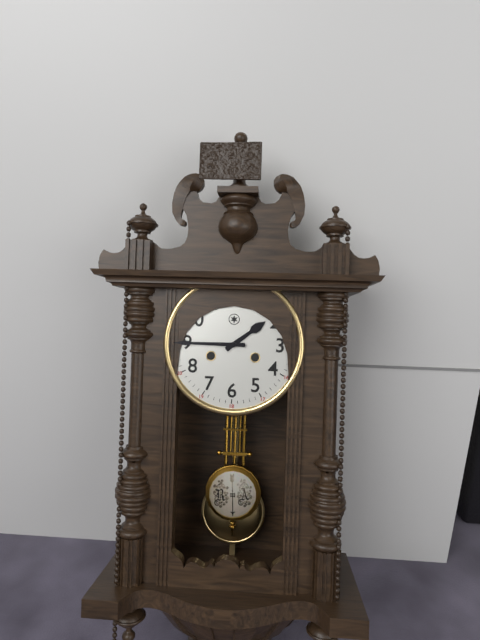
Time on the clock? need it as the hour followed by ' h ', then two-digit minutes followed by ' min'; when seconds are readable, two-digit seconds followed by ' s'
1 h 45 min
